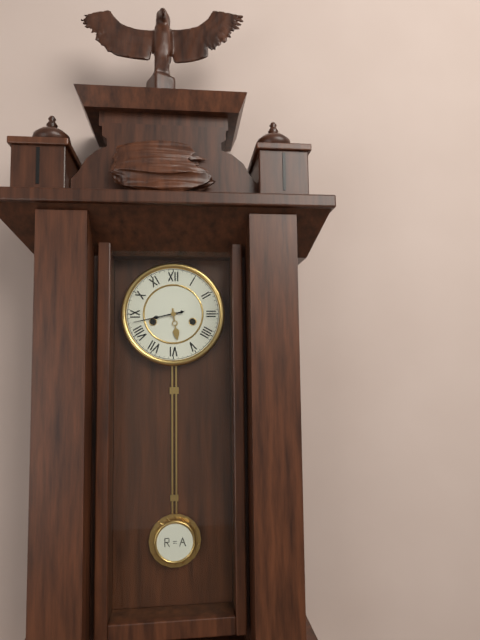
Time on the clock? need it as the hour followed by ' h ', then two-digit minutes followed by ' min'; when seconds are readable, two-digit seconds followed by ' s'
5 h 43 min
